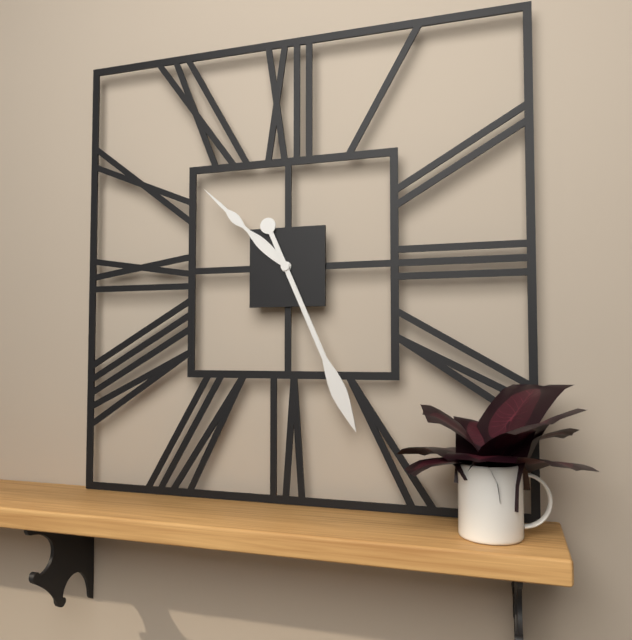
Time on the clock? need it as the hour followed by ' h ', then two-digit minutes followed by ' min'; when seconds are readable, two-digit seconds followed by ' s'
10 h 26 min
